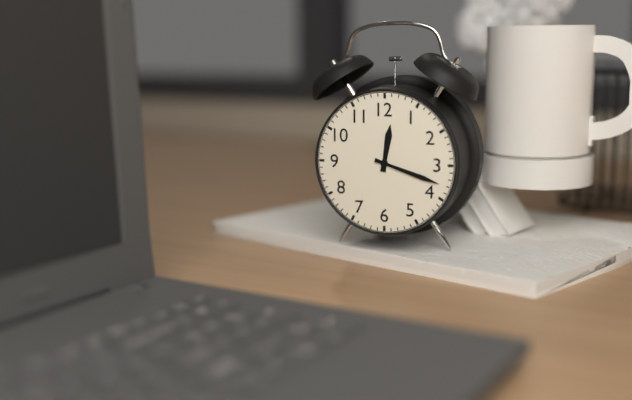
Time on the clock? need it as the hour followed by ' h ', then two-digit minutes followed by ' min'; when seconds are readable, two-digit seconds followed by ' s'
12 h 18 min
